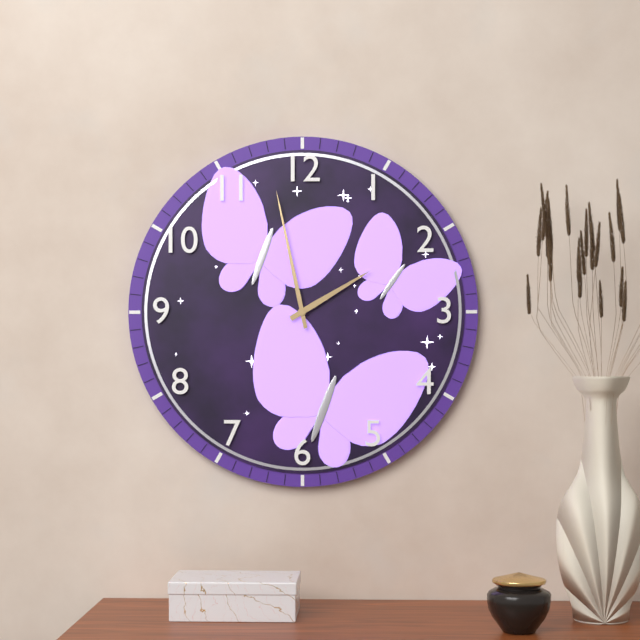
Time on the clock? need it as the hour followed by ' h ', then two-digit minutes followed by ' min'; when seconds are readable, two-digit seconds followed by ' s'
1 h 58 min
